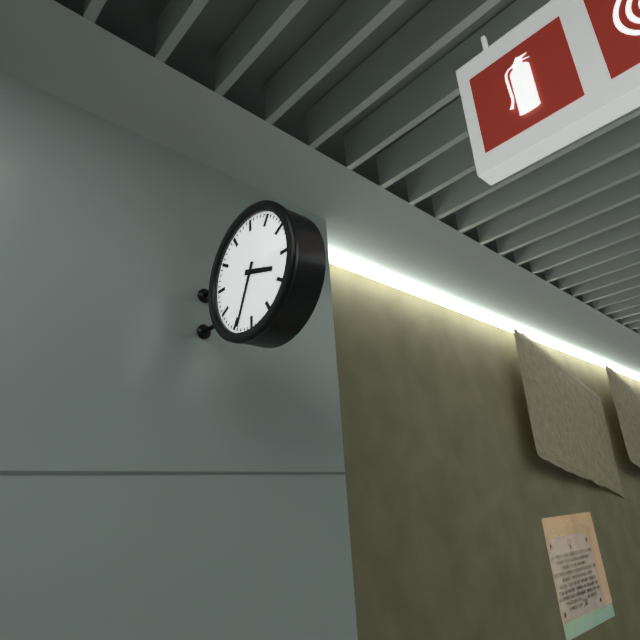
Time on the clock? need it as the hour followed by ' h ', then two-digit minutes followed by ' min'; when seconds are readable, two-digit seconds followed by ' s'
3 h 34 min
